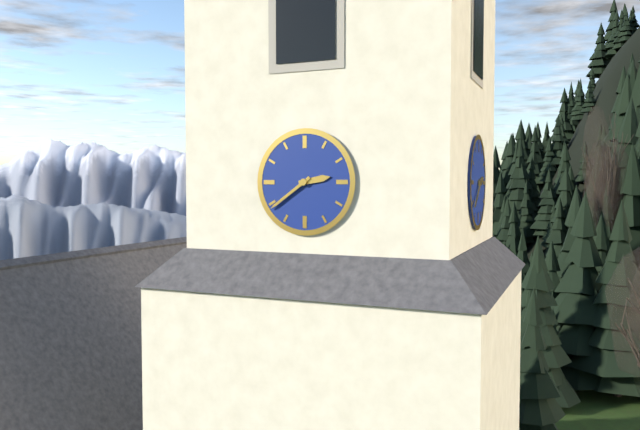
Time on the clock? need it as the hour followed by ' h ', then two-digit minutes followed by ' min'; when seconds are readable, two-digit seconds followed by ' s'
2 h 39 min
